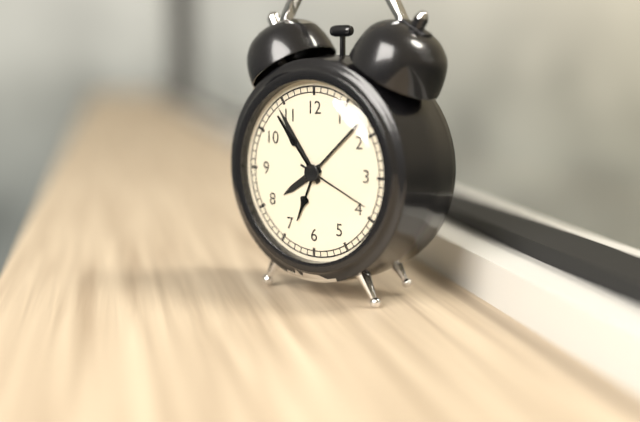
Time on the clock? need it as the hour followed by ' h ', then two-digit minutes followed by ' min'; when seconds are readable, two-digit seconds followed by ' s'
7 h 54 min 19 s
